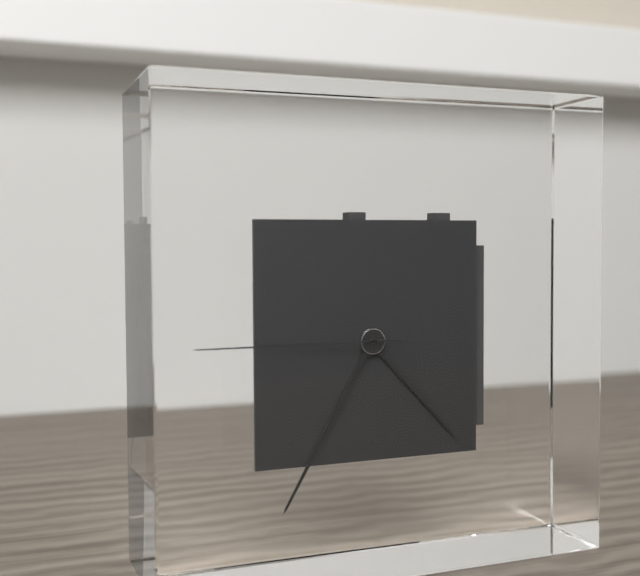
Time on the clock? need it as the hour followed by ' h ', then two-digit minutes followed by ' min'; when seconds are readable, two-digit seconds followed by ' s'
4 h 35 min 45 s
